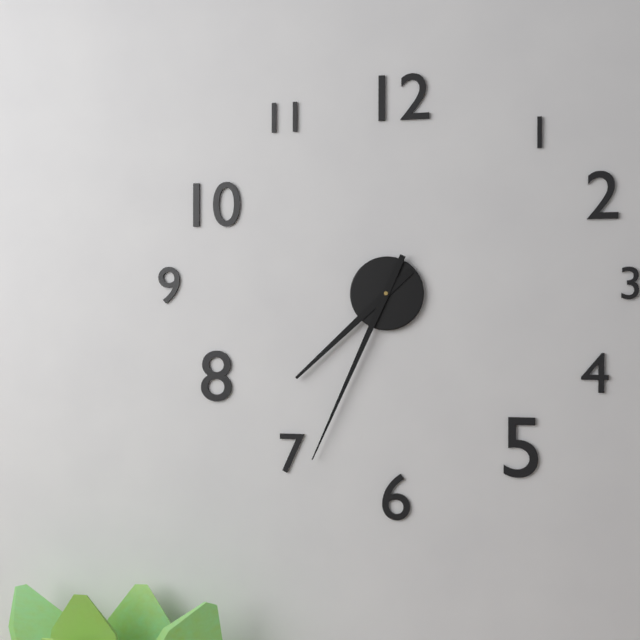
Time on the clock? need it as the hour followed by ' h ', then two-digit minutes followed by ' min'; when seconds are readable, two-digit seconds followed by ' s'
7 h 34 min
